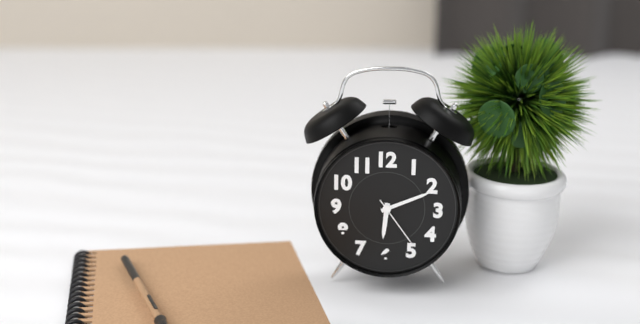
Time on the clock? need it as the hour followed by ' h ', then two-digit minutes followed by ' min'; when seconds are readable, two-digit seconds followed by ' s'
6 h 11 min 24 s
